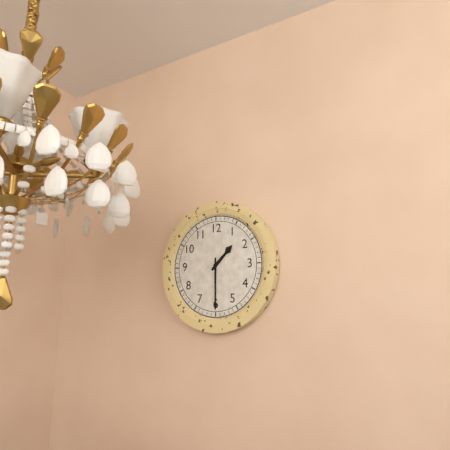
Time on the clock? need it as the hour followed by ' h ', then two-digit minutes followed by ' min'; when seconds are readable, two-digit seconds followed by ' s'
1 h 30 min
